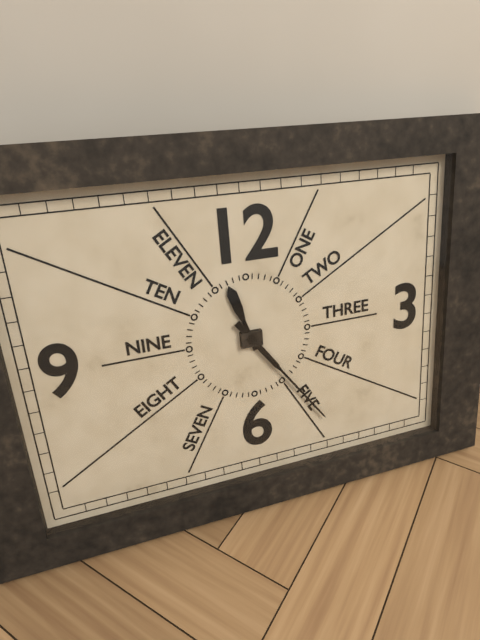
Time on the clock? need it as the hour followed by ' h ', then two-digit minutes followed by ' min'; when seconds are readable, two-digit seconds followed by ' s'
11 h 24 min
